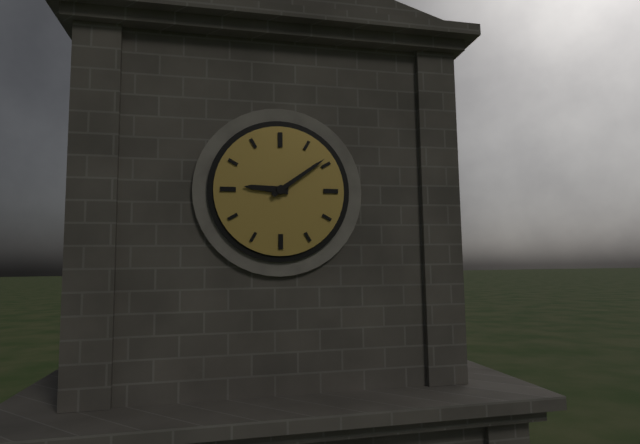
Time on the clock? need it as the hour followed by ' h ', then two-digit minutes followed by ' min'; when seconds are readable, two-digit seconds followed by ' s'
9 h 09 min
